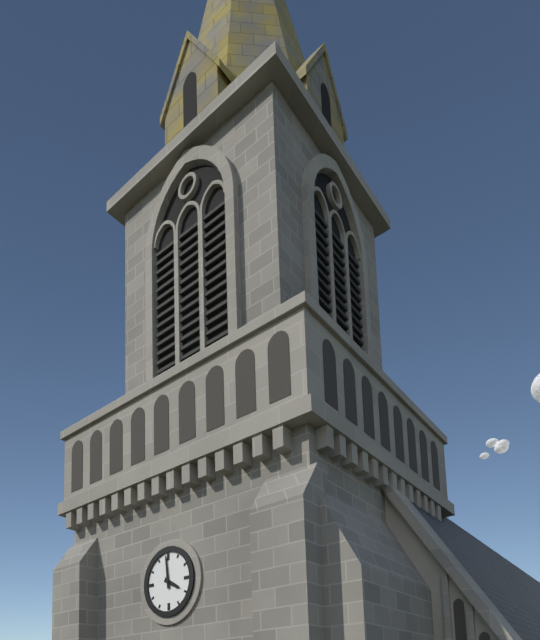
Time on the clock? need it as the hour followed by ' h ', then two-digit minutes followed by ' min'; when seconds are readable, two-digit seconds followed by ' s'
3 h 59 min
